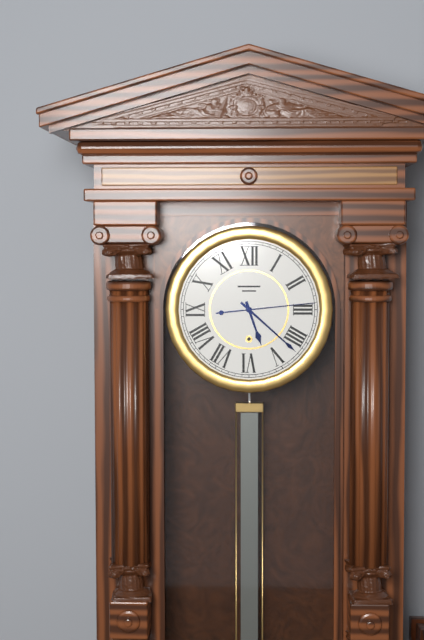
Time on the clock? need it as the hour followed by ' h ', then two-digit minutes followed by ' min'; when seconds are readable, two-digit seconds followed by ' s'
5 h 22 min 14 s
